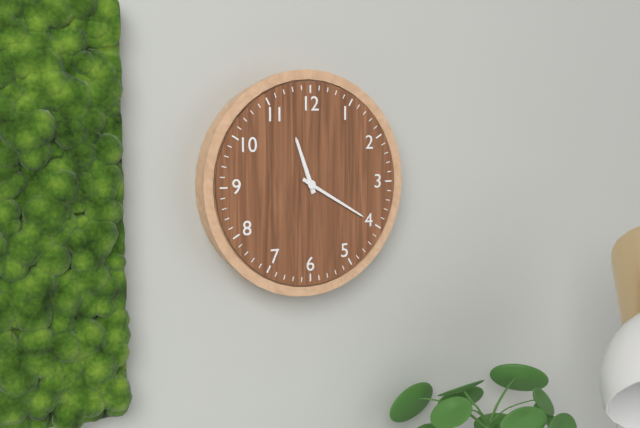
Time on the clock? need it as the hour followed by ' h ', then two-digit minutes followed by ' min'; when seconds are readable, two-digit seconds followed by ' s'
11 h 20 min
